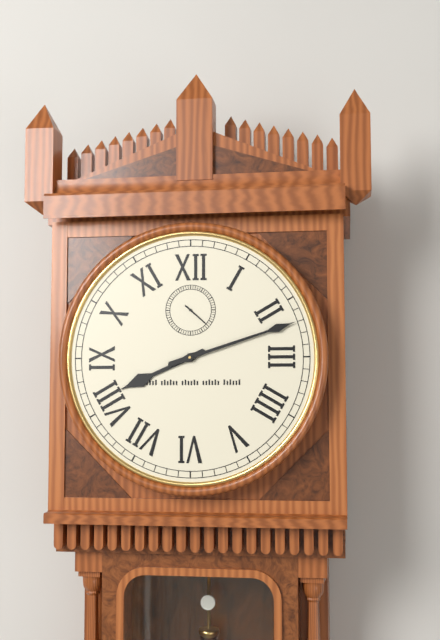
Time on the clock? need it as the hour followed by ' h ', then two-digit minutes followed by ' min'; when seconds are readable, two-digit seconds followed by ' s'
8 h 12 min
